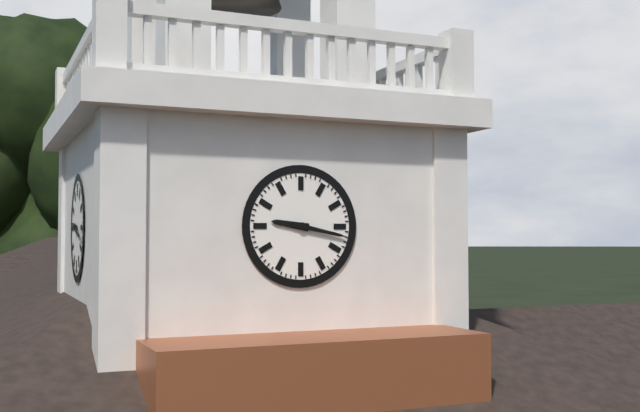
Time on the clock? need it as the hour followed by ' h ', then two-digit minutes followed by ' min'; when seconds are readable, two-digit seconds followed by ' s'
9 h 17 min
